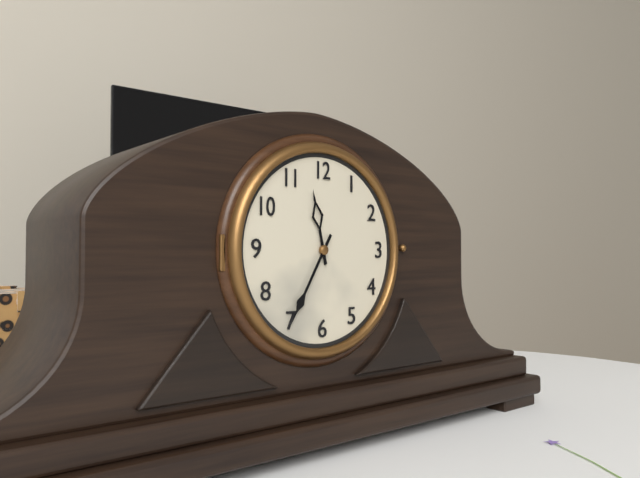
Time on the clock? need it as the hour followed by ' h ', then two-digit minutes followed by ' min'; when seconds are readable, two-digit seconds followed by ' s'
11 h 35 min
